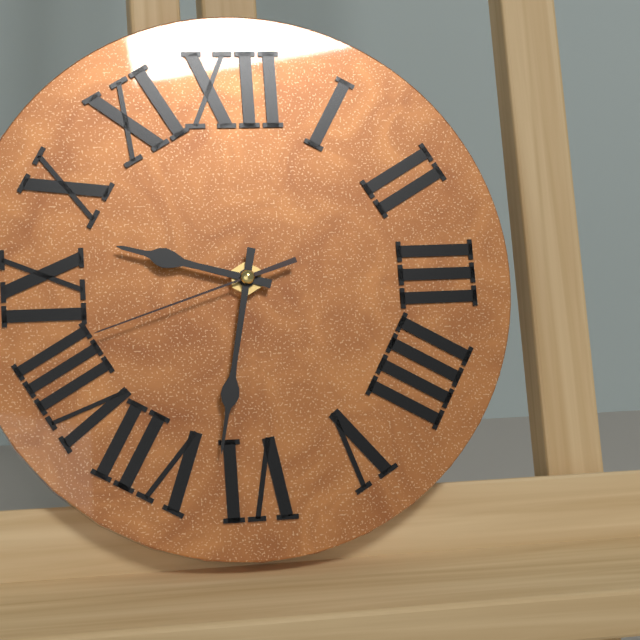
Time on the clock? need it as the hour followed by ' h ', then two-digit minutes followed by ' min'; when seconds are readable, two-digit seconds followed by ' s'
9 h 32 min 42 s
